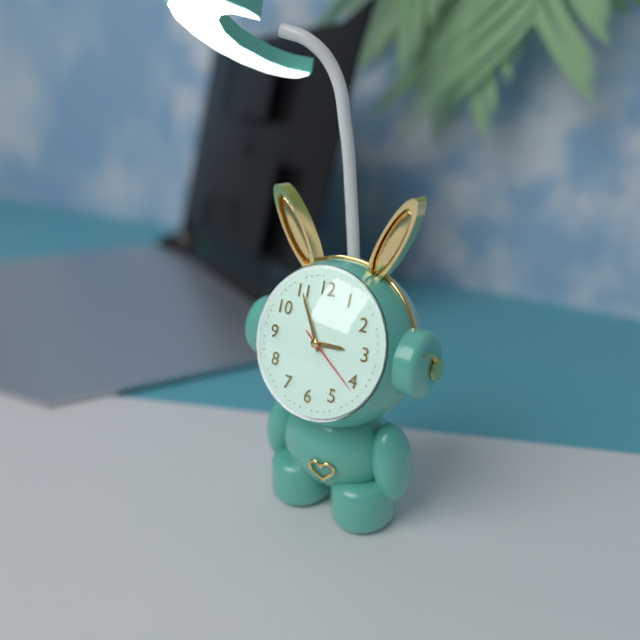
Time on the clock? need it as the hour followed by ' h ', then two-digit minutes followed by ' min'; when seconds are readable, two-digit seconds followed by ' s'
2 h 55 min 21 s
